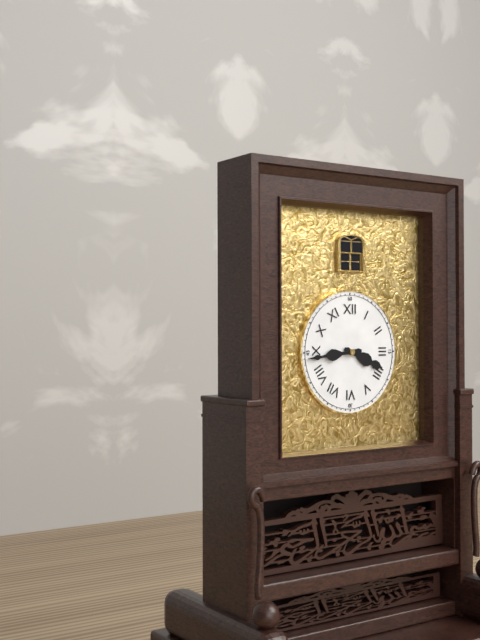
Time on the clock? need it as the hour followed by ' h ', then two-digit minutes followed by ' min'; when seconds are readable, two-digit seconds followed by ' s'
3 h 44 min
